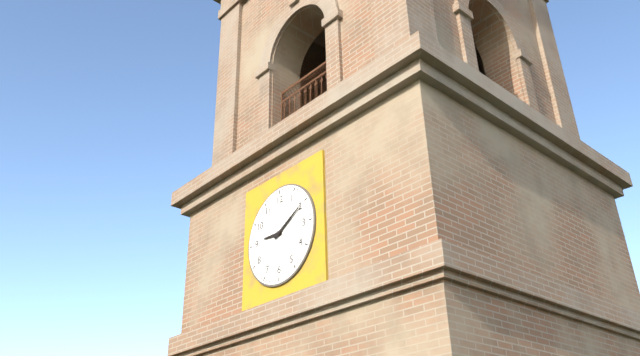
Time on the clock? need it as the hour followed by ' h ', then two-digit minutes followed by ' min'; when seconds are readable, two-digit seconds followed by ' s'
9 h 10 min
